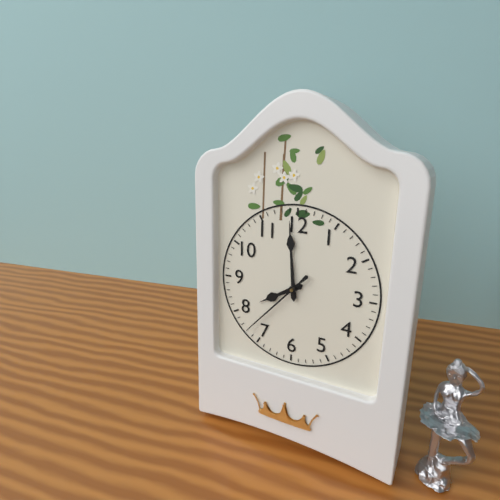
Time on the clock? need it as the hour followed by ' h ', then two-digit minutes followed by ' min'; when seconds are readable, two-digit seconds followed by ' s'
7 h 59 min 37 s
